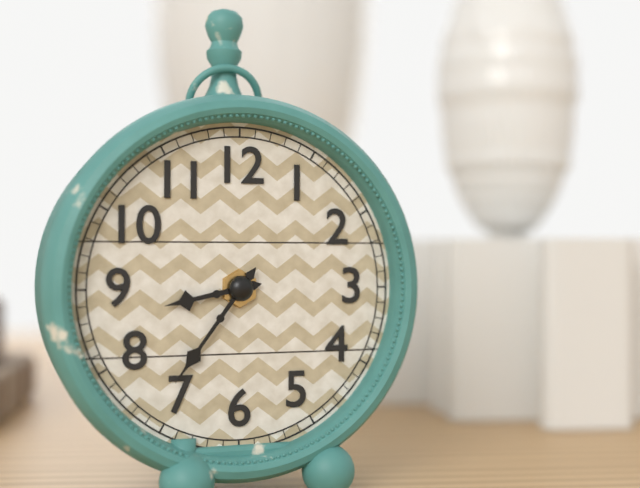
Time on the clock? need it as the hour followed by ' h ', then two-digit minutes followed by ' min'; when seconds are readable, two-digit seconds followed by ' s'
8 h 36 min
